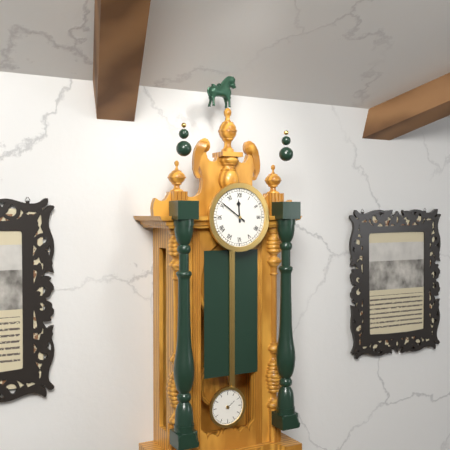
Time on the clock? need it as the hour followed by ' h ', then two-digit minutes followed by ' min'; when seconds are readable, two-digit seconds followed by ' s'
11 h 51 min
